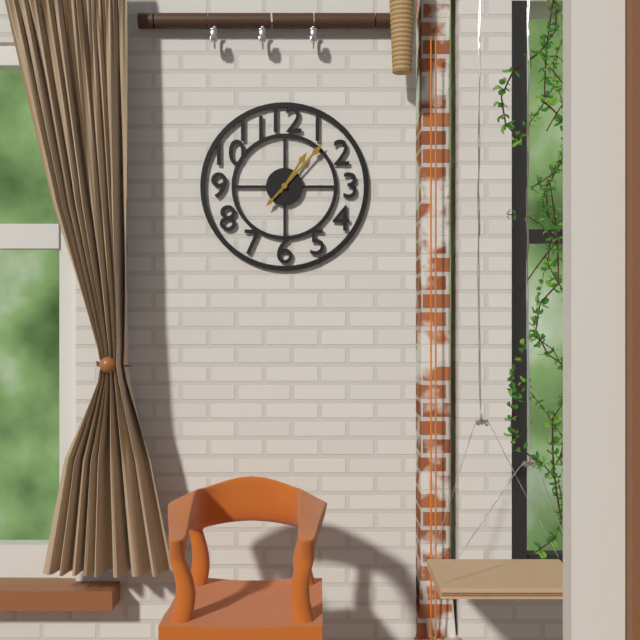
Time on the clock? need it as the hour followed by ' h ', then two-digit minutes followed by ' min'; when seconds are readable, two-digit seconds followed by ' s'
1 h 07 min
